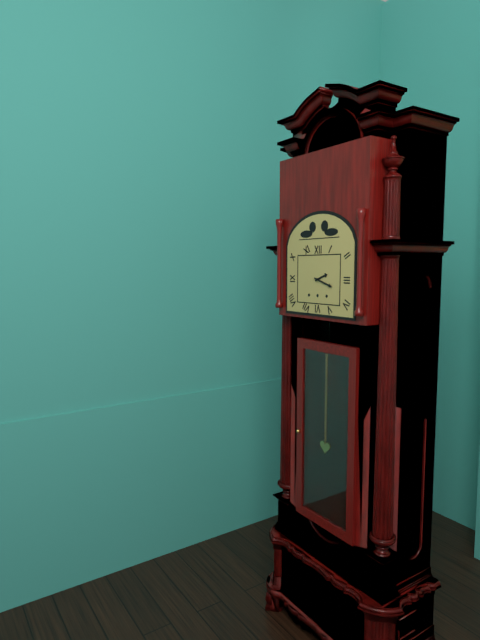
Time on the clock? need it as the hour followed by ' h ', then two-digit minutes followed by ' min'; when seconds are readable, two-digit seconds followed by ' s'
2 h 18 min
